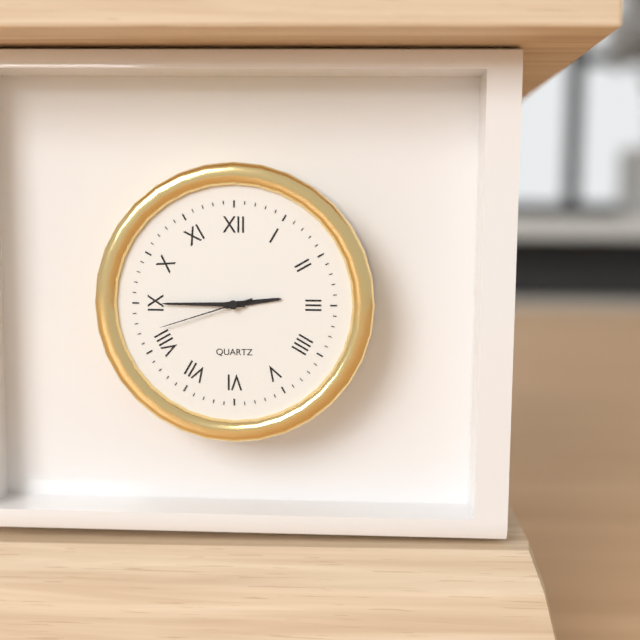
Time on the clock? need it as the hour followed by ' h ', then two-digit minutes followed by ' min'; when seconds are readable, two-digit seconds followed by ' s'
2 h 45 min 42 s
